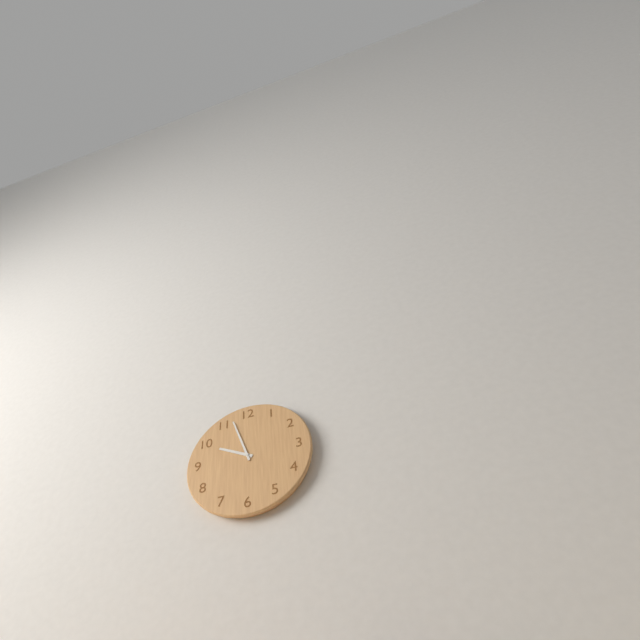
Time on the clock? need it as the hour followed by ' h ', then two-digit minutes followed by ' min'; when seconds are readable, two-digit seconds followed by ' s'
9 h 57 min
